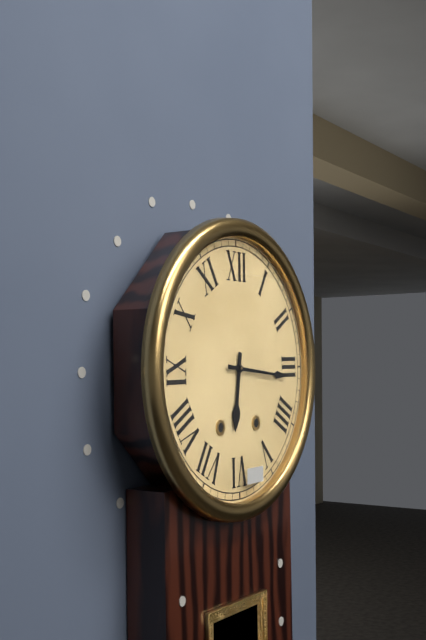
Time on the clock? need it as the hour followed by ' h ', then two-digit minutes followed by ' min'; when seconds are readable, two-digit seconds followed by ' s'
6 h 16 min
